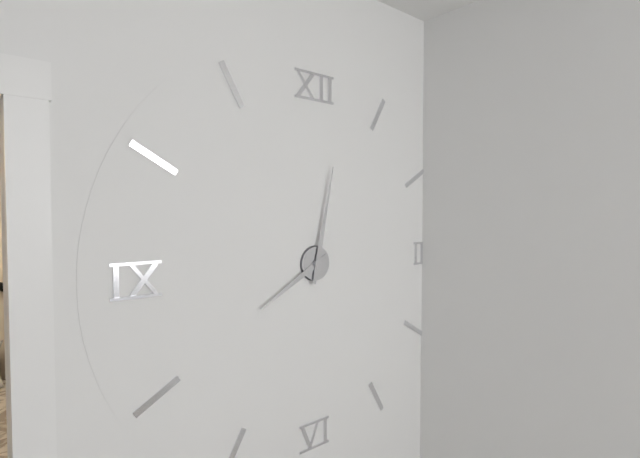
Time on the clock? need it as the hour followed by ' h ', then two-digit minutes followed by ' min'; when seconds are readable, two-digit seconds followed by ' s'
8 h 02 min
